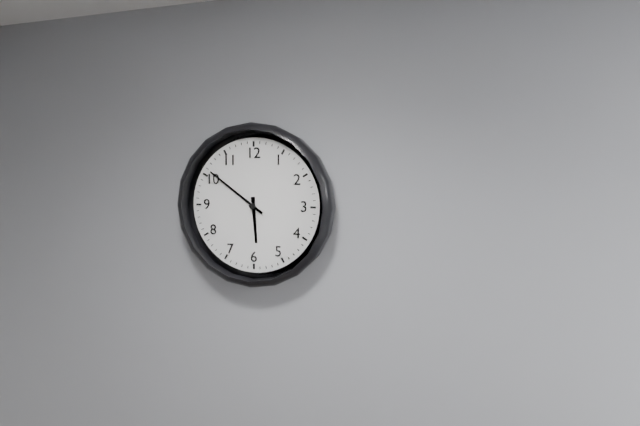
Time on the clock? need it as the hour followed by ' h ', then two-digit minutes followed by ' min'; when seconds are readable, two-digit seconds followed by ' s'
5 h 51 min
